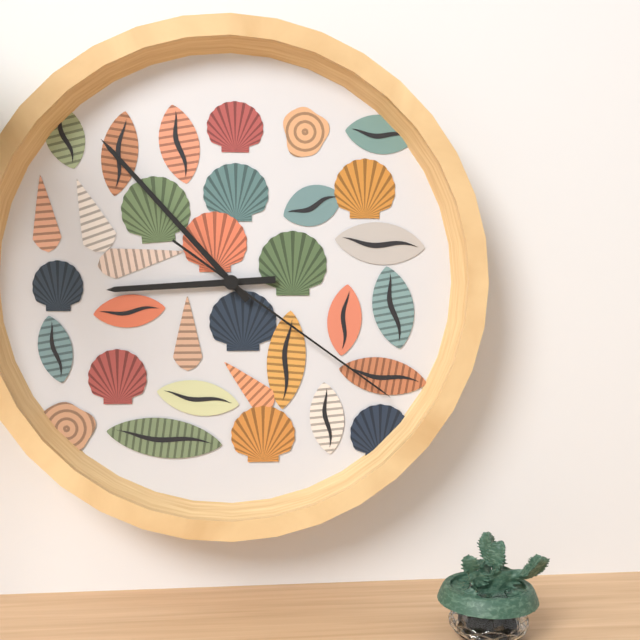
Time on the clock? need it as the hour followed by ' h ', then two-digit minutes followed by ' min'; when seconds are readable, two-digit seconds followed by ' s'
8 h 53 min 21 s
